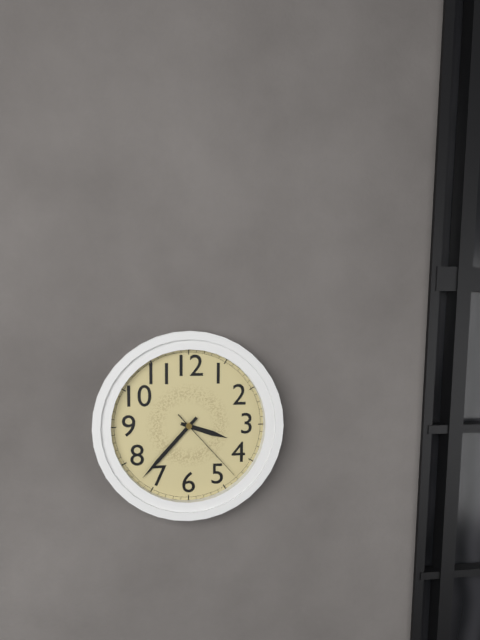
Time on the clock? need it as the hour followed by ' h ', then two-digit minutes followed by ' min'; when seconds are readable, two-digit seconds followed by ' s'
3 h 37 min 23 s
